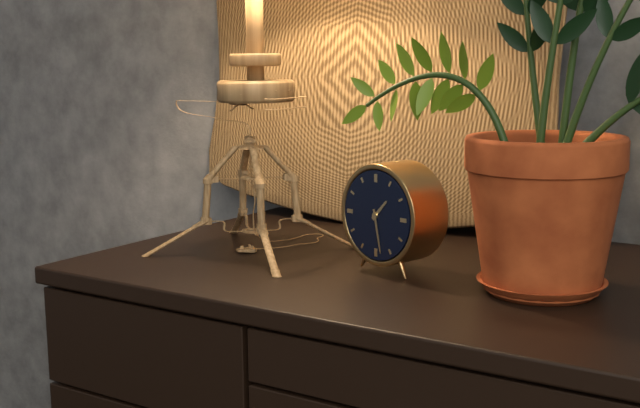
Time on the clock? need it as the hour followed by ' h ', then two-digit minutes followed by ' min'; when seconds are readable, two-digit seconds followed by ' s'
1 h 28 min
